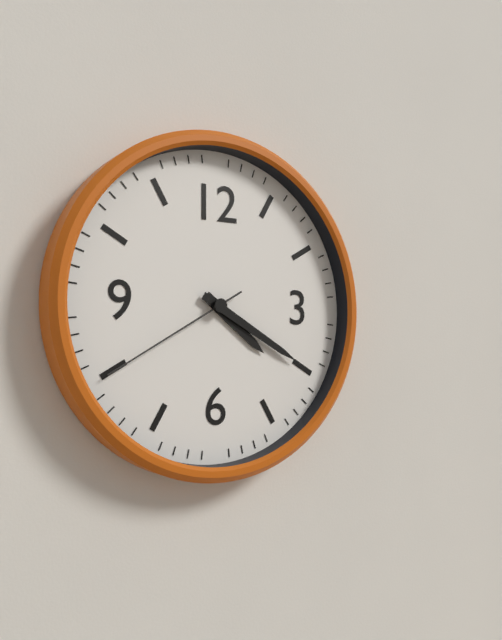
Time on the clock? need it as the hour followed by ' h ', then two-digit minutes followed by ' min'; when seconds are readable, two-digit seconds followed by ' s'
4 h 20 min 40 s
